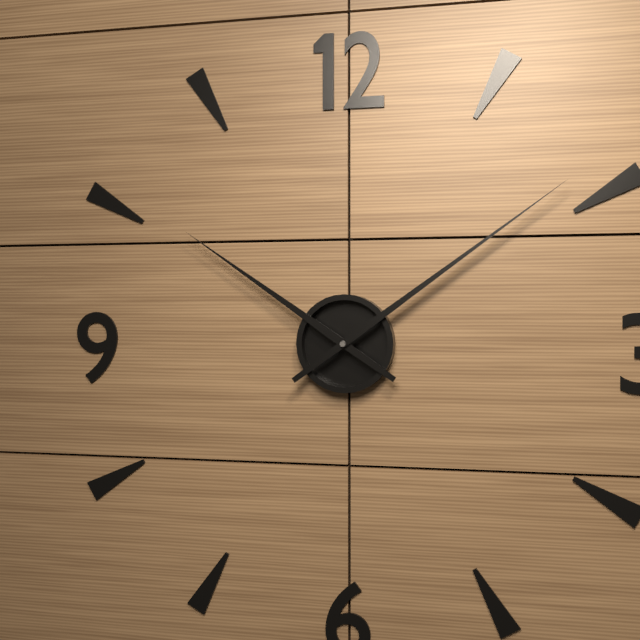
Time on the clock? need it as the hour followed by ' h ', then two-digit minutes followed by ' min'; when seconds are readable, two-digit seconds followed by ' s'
10 h 09 min
